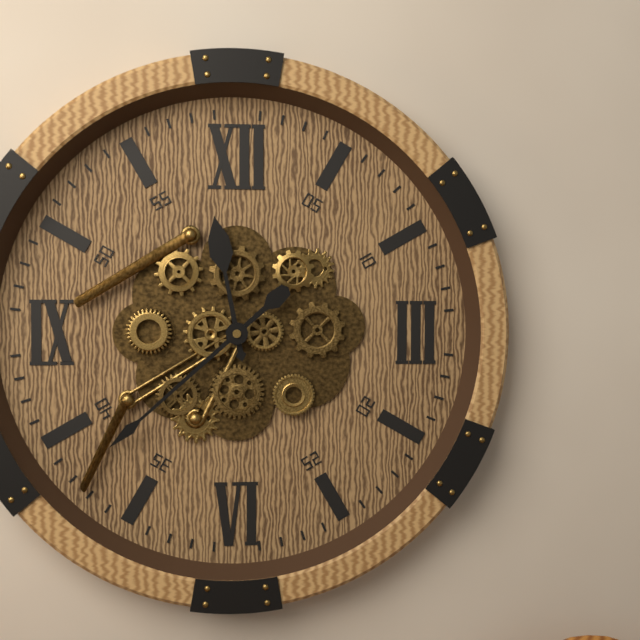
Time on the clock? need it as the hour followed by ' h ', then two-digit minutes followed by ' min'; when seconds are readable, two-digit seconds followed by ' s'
11 h 38 min
